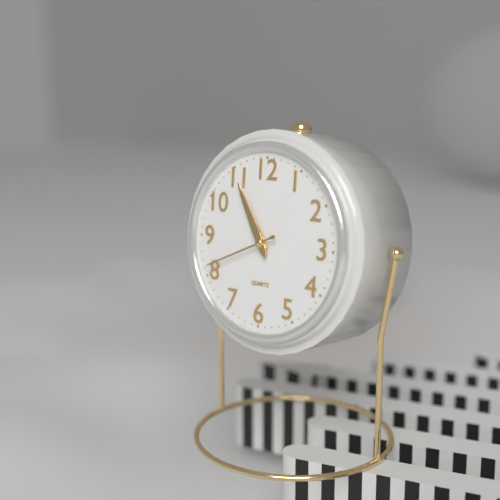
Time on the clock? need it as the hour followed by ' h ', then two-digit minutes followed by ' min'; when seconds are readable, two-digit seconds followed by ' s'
10 h 55 min 41 s
